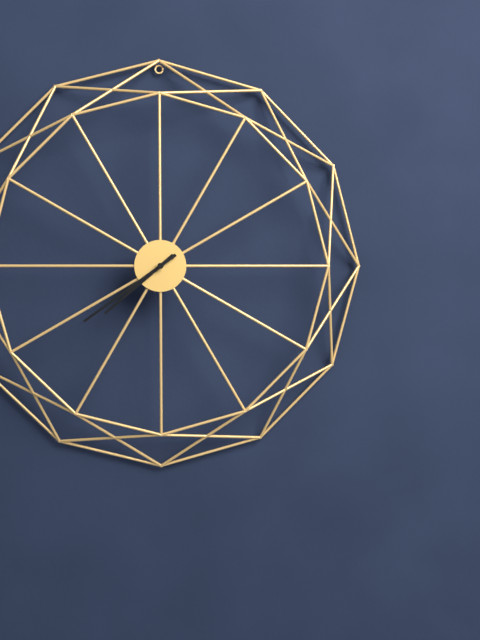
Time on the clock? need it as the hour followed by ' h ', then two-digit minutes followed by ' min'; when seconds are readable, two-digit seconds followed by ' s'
7 h 39 min
